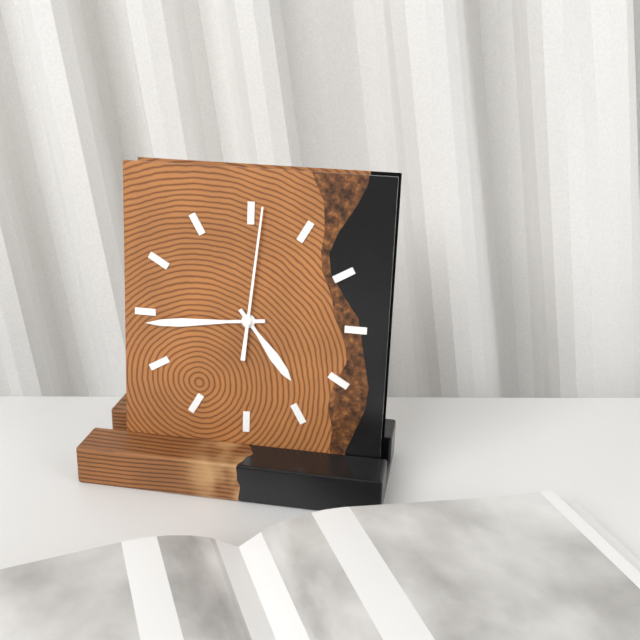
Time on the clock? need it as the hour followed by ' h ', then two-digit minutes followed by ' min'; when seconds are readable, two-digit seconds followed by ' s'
4 h 44 min 01 s
